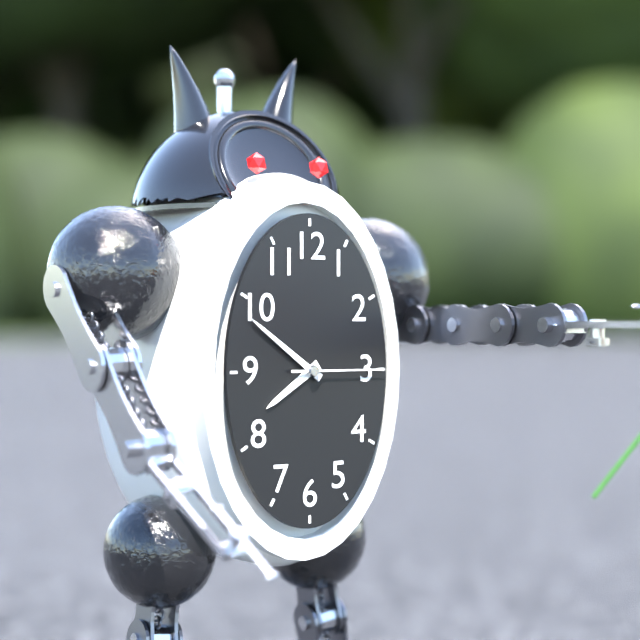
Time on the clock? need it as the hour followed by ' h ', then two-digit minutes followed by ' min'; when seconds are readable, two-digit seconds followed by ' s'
7 h 51 min 15 s
